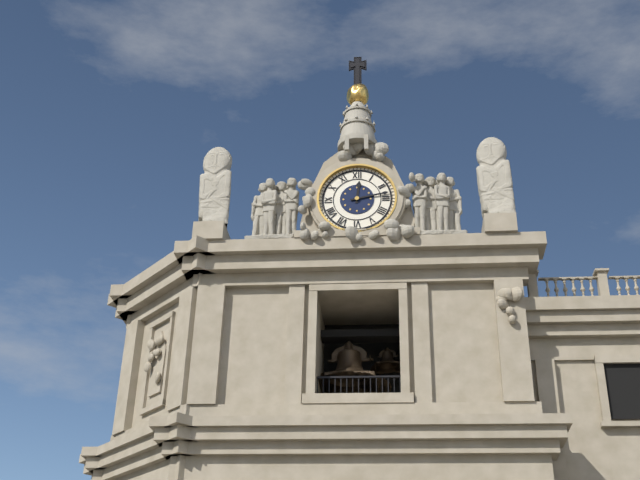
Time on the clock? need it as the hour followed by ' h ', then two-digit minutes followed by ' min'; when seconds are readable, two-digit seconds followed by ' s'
12 h 13 min
